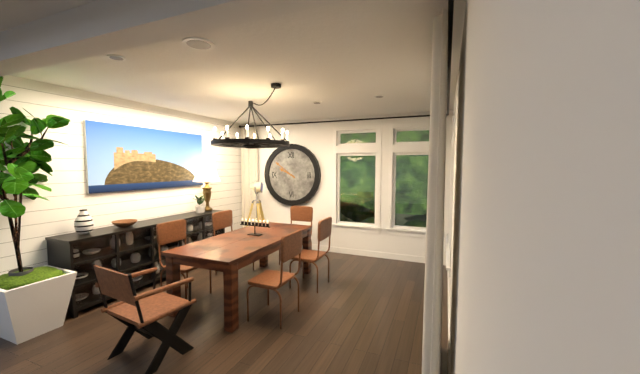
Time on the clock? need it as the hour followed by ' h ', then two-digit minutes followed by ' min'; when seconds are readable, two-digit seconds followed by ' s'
9 h 51 min
